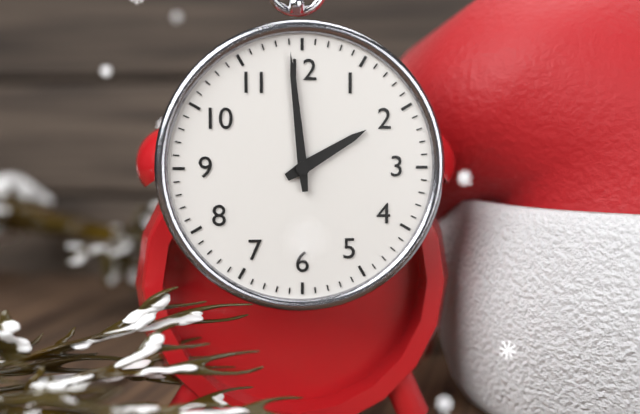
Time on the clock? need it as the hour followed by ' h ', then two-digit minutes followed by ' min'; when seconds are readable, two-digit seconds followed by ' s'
1 h 59 min
